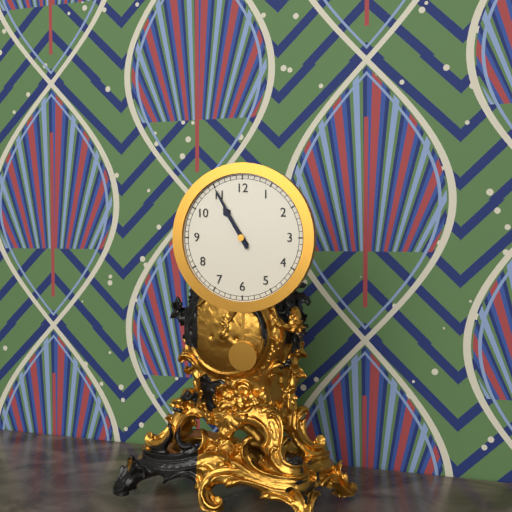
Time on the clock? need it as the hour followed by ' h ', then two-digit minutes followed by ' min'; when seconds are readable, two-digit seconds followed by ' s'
10 h 55 min
